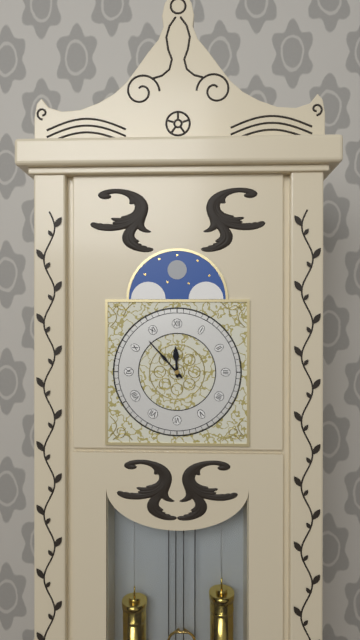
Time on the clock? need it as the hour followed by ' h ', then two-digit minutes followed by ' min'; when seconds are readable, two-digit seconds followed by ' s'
11 h 53 min
